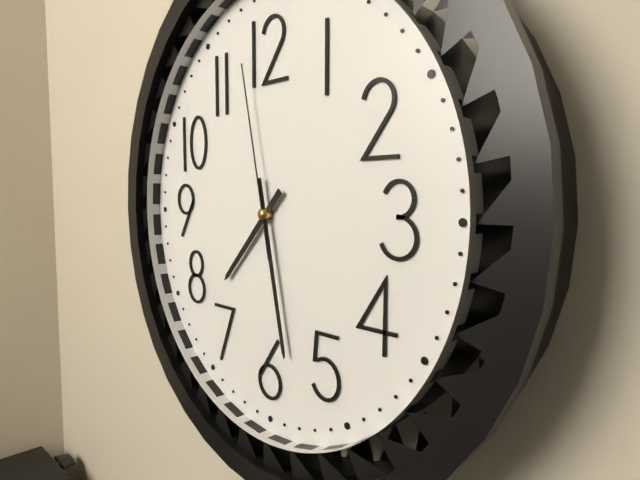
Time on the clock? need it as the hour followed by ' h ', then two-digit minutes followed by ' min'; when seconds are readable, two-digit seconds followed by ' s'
7 h 28 min 58 s
